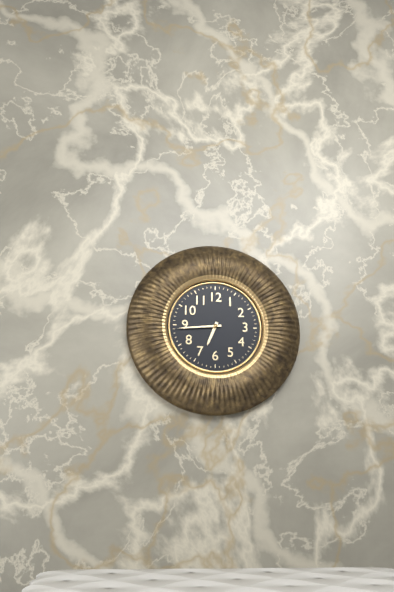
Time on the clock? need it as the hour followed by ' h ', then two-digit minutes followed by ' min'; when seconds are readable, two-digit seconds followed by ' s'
6 h 44 min
